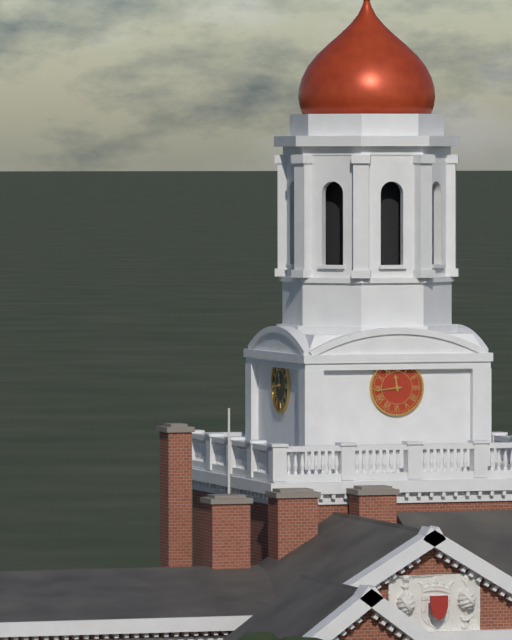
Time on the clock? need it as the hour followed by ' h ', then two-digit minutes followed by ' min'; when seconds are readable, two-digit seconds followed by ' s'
11 h 44 min
